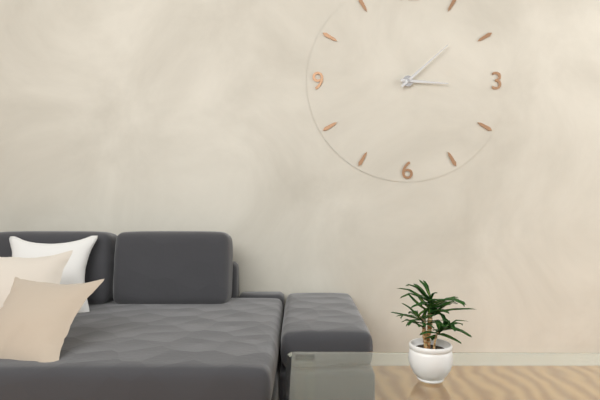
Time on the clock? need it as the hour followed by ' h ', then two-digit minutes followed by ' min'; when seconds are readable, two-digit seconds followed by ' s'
3 h 08 min
